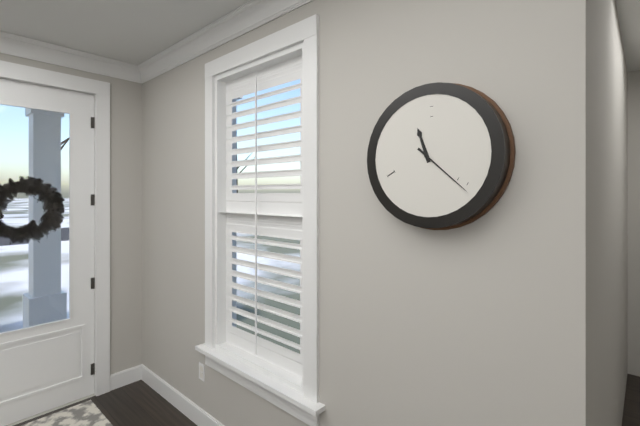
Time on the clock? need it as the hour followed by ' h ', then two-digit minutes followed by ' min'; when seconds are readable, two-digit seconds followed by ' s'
11 h 22 min
